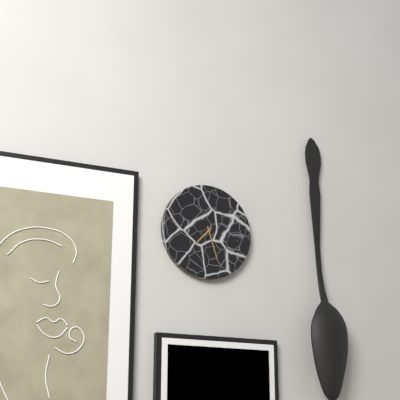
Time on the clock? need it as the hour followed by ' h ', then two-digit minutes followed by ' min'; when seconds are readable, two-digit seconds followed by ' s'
7 h 27 min
